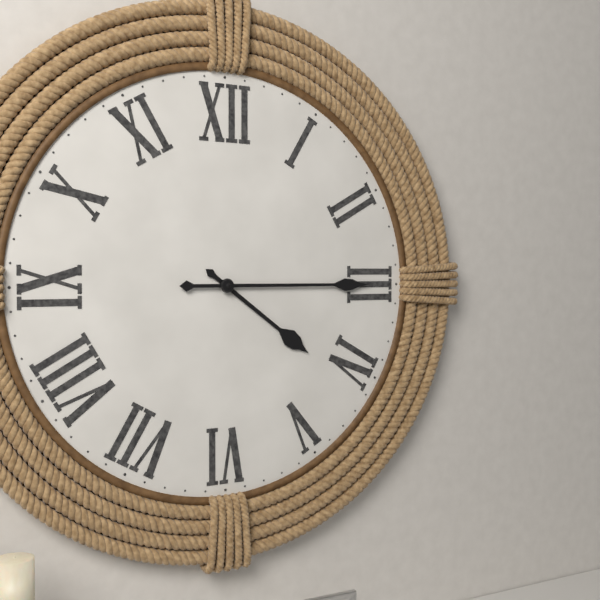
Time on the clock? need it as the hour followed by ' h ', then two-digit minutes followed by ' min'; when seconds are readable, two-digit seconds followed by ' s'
4 h 15 min
